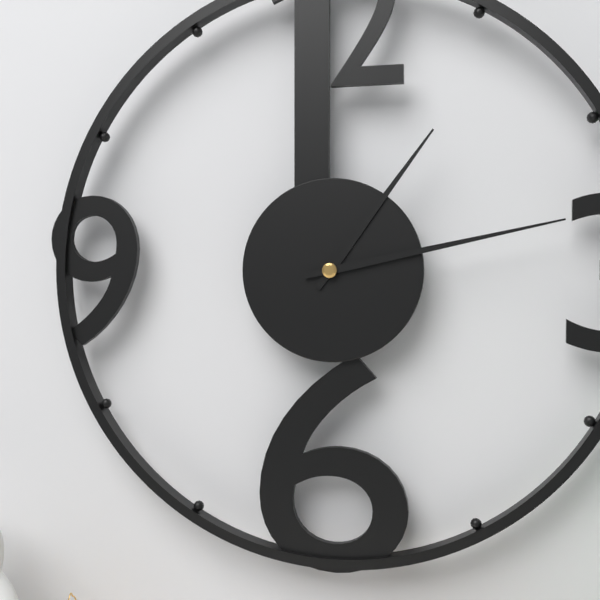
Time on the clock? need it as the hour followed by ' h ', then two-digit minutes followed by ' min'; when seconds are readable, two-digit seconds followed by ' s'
1 h 13 min
